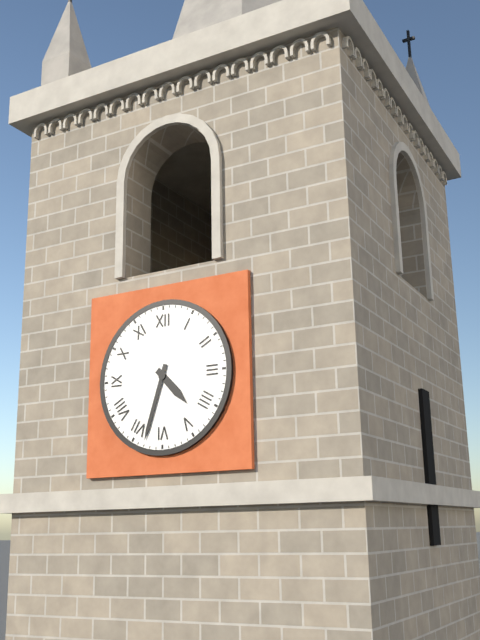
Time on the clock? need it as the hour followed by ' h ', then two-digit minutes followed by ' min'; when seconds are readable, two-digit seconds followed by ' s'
4 h 33 min
